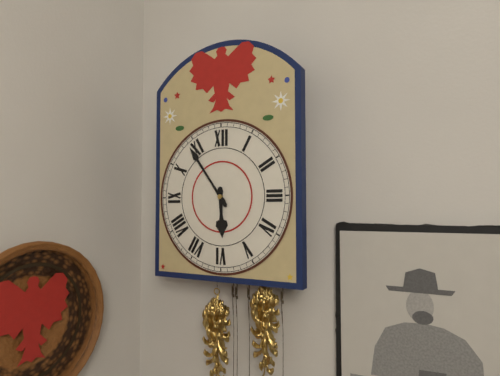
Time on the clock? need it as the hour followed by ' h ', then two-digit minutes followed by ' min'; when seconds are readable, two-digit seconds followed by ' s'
5 h 54 min
